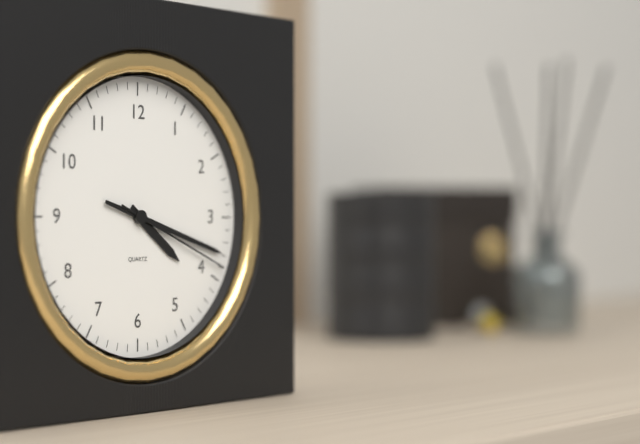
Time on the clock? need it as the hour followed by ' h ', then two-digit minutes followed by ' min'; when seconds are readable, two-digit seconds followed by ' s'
4 h 18 min 19 s
